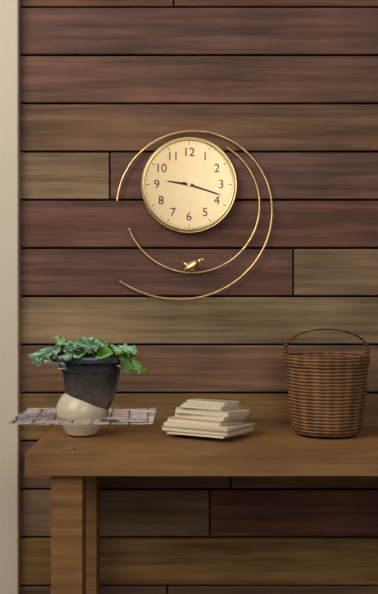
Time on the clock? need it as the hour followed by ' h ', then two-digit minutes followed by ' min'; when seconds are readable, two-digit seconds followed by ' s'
9 h 18 min
